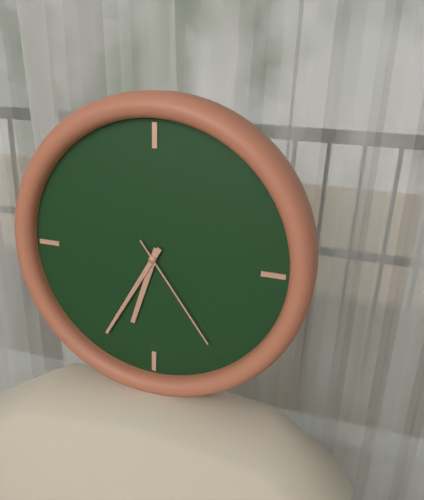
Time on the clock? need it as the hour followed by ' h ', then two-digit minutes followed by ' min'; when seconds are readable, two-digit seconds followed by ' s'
6 h 35 min 24 s
